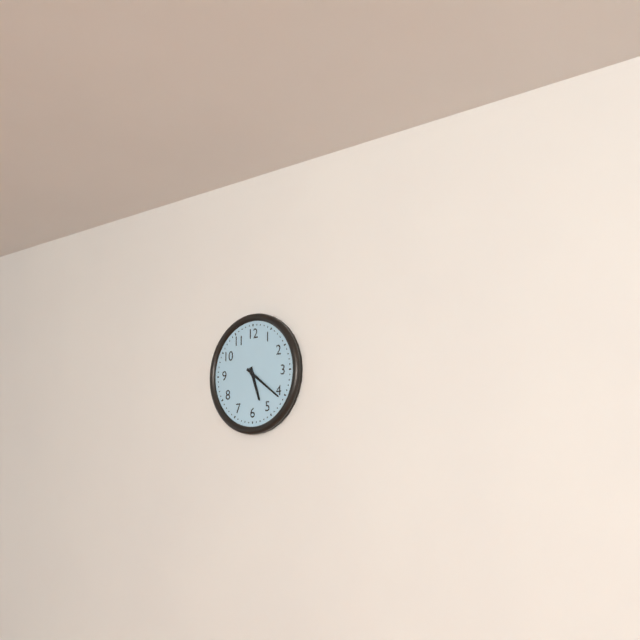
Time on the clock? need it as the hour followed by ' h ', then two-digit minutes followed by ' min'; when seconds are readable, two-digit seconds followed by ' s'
5 h 21 min
